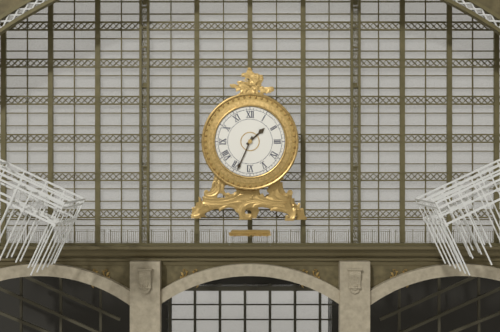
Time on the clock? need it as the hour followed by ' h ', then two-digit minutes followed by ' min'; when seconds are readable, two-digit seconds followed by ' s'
1 h 34 min
